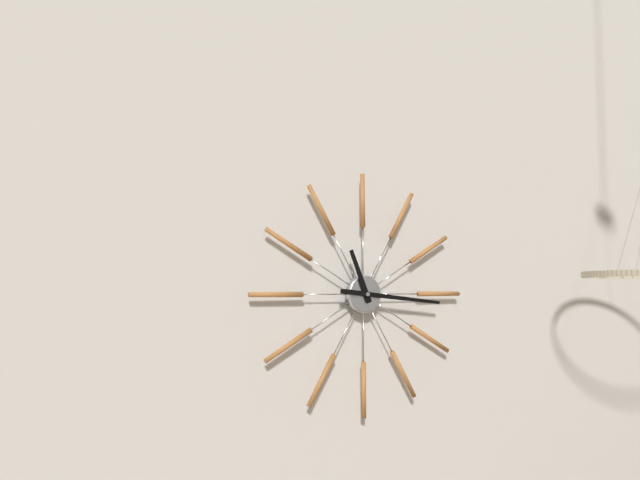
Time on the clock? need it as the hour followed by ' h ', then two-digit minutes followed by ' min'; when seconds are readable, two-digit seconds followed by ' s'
11 h 16 min
